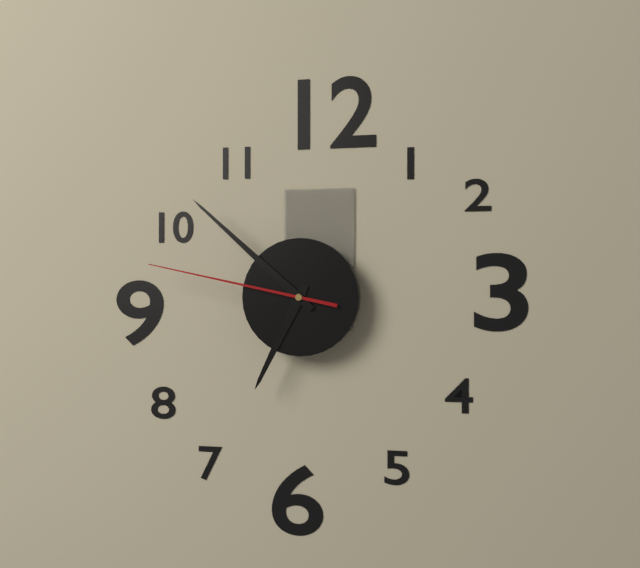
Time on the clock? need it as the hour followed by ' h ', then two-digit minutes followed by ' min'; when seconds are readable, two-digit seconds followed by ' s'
6 h 52 min 47 s
